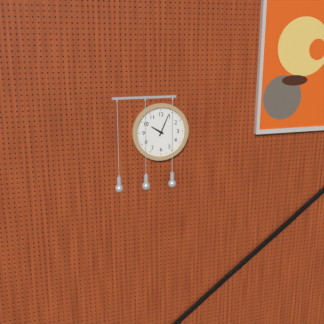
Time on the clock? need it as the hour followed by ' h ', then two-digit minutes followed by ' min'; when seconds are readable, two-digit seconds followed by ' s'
10 h 04 min
